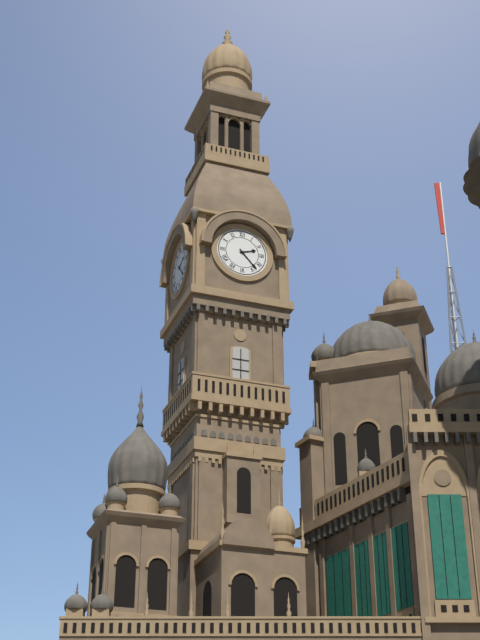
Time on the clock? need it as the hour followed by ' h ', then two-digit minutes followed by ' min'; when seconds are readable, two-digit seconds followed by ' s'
2 h 23 min
